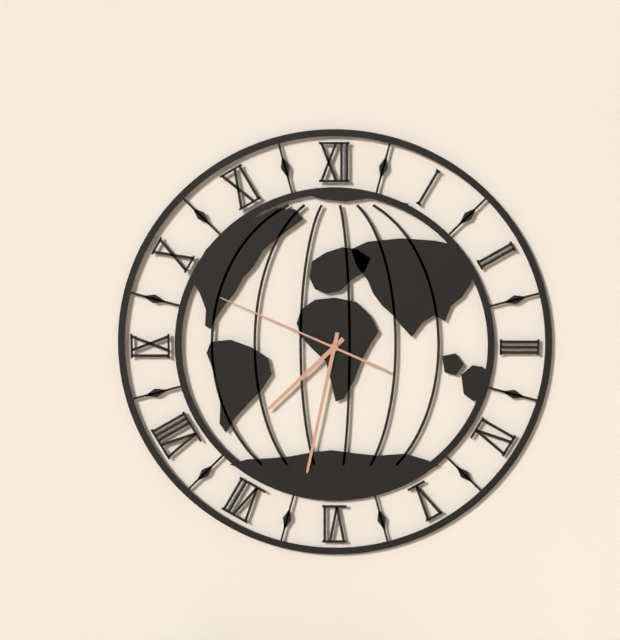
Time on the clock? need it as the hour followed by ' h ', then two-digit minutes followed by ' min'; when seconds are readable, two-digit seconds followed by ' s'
7 h 32 min 49 s
